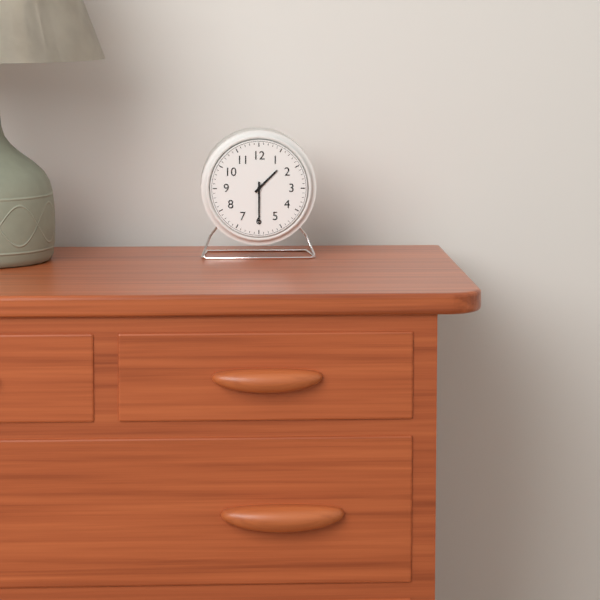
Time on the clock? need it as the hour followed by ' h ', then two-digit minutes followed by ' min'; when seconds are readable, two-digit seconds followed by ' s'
1 h 30 min
